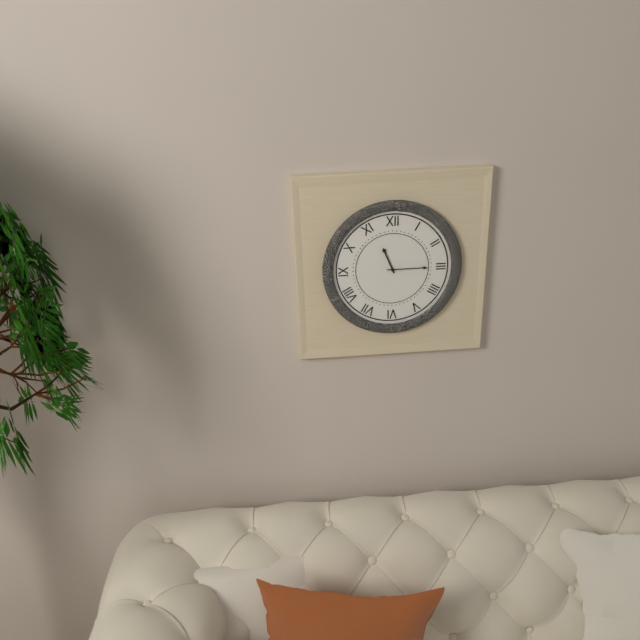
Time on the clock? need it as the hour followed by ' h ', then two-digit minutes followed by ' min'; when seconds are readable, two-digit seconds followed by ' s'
11 h 15 min
